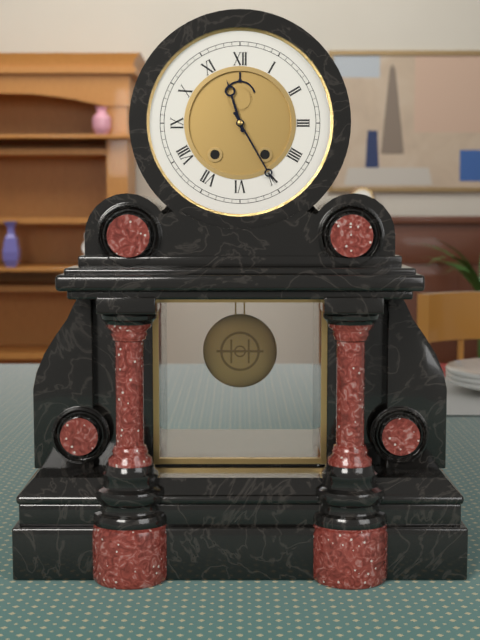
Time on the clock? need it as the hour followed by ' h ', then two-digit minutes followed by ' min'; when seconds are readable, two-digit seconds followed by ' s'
11 h 25 min
